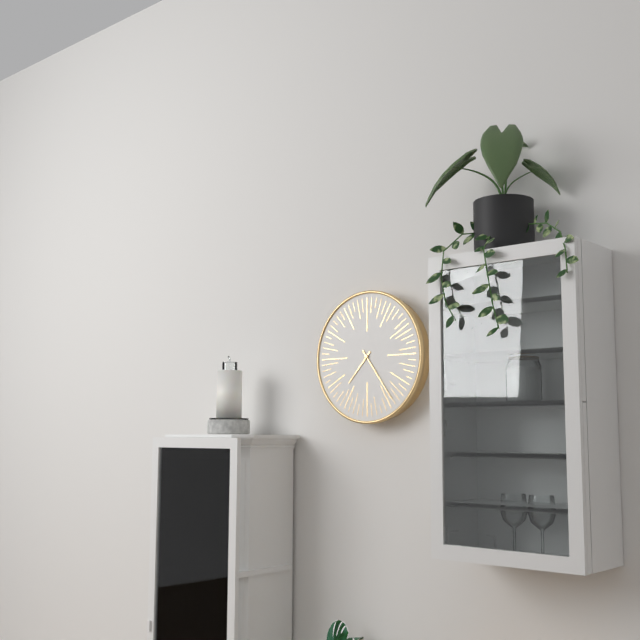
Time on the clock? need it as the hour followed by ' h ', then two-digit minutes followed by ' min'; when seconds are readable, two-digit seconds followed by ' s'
7 h 24 min
